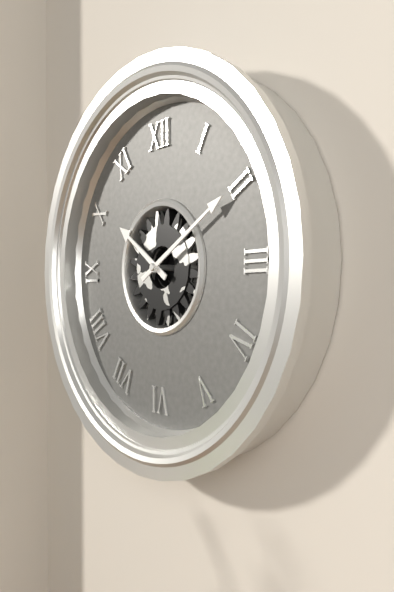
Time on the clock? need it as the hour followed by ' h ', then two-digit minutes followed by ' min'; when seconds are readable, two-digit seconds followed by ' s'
10 h 10 min
